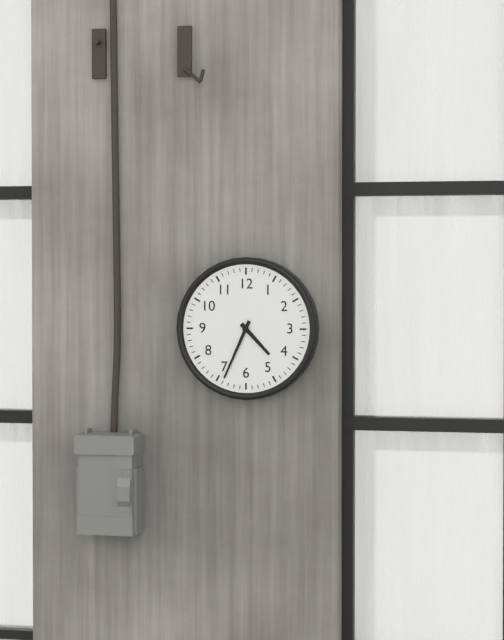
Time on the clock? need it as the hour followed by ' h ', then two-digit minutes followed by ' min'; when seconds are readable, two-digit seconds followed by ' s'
4 h 34 min
